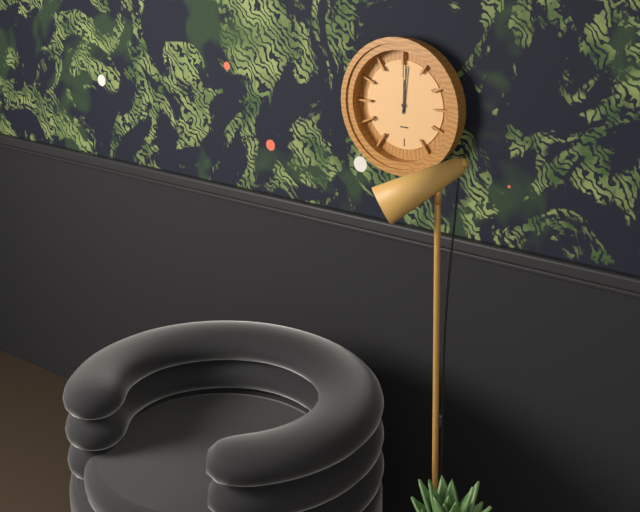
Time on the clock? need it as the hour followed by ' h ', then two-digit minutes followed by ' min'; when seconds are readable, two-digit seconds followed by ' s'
12 h 01 min
